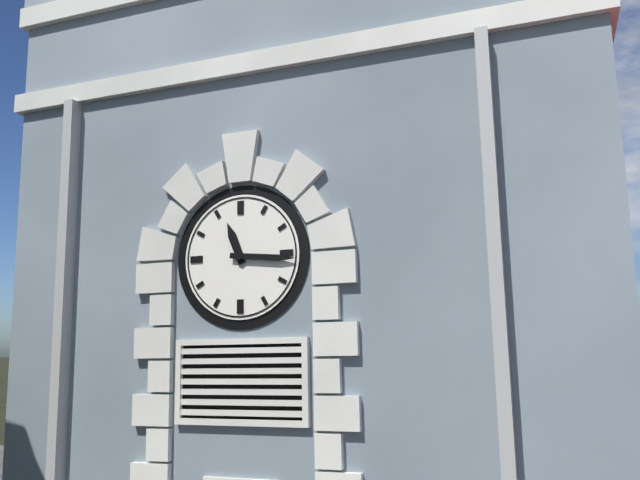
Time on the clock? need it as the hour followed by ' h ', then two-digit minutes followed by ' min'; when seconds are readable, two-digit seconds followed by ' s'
11 h 16 min
